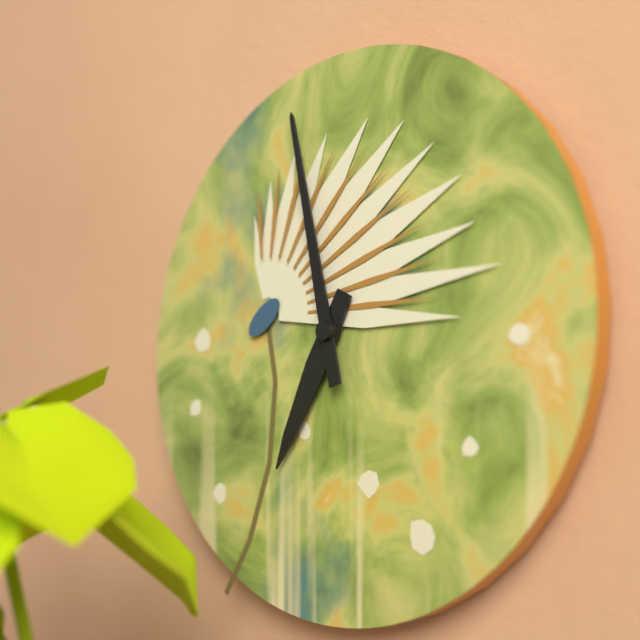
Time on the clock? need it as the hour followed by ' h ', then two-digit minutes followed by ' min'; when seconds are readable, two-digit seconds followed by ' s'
6 h 58 min
